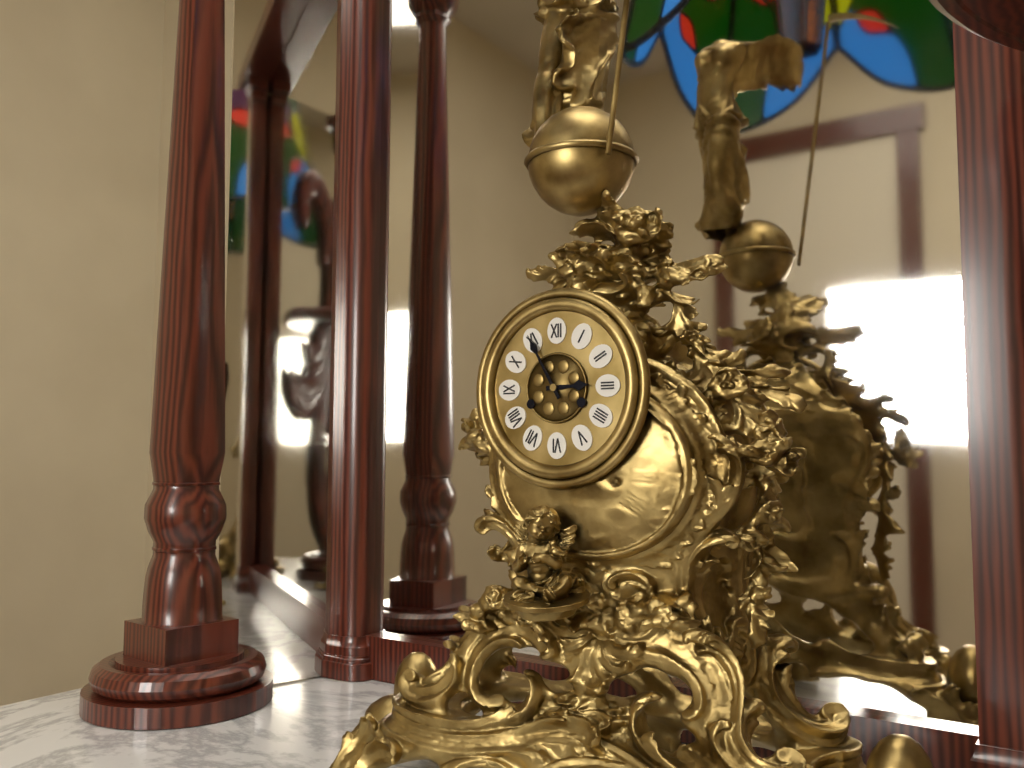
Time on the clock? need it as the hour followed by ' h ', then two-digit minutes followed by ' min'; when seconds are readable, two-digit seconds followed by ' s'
2 h 55 min
